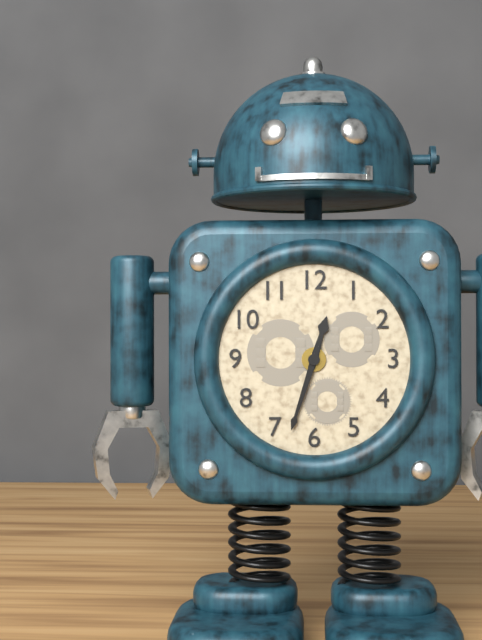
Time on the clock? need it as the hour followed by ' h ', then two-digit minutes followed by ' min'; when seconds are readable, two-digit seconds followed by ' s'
12 h 33 min
